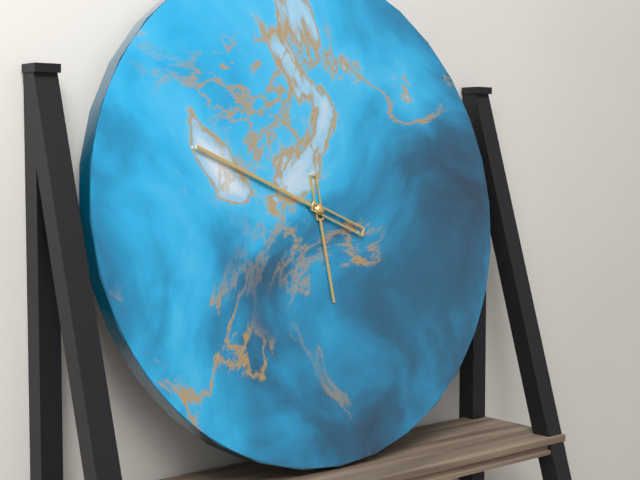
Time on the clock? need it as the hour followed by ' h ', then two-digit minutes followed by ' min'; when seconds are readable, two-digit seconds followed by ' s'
5 h 49 min
